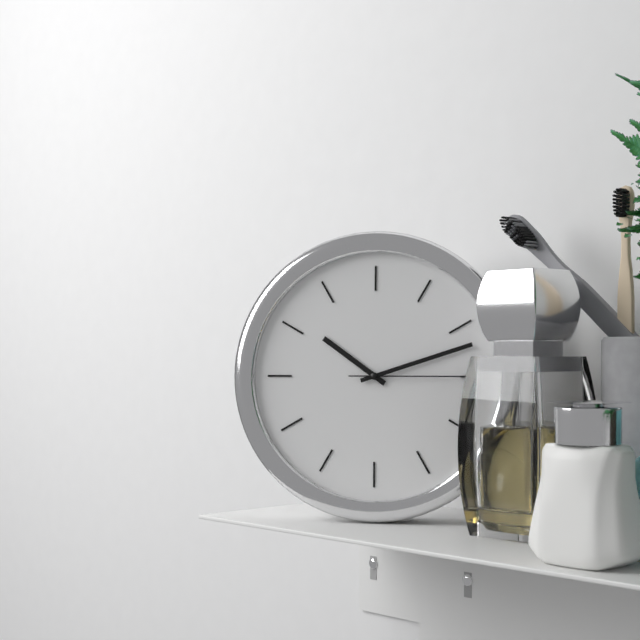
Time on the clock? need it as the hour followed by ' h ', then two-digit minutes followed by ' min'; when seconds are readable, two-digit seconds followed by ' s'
10 h 12 min 15 s
